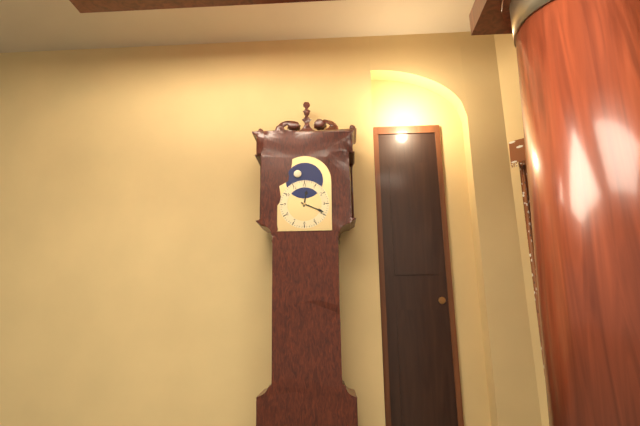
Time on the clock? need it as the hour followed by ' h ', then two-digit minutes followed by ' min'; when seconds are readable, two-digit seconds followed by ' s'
12 h 19 min
